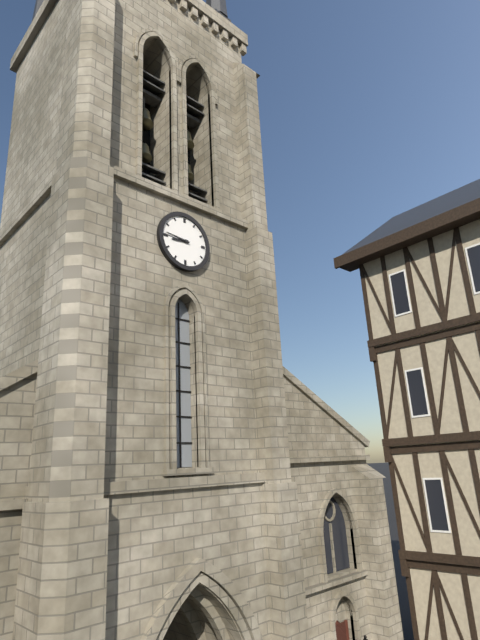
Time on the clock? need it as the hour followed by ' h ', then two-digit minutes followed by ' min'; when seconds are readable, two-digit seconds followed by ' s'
8 h 46 min
